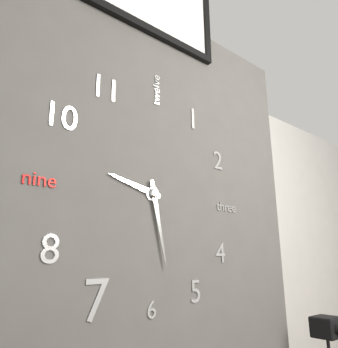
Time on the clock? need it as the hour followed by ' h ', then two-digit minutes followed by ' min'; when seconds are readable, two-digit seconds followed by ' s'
9 h 28 min
